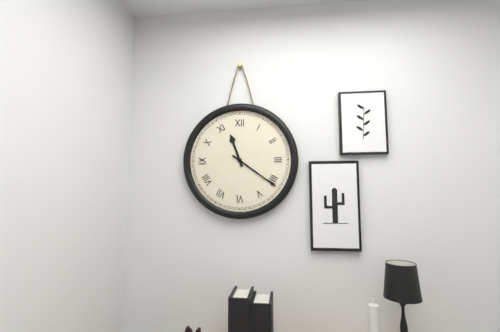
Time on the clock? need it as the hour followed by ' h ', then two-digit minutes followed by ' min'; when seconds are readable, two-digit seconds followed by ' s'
11 h 21 min
